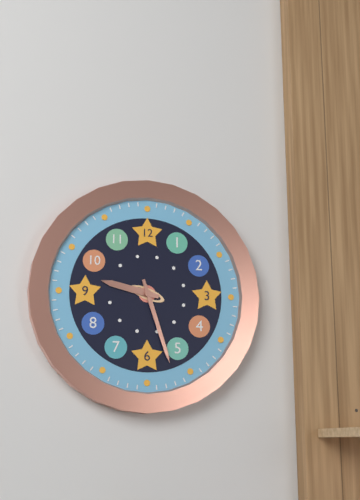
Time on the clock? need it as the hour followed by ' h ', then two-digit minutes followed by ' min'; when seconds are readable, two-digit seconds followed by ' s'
9 h 27 min
